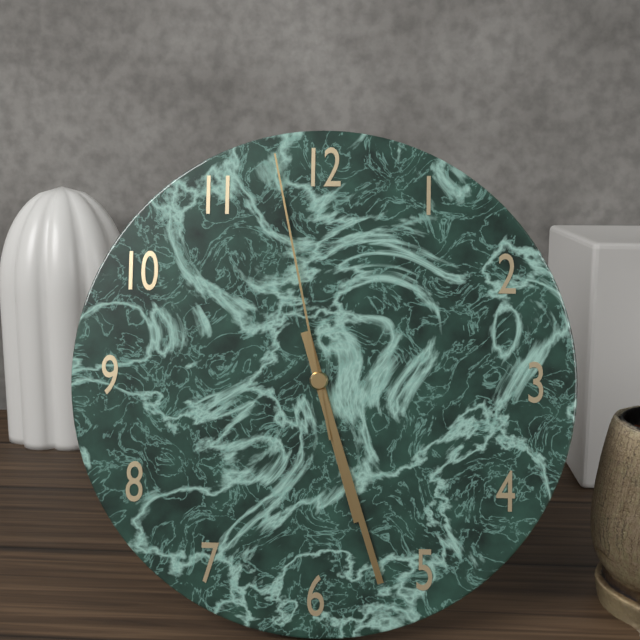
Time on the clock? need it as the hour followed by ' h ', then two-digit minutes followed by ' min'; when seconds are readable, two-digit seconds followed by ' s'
5 h 27 min 58 s
